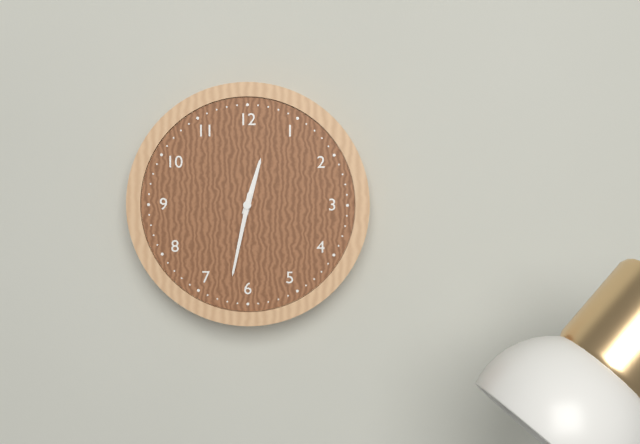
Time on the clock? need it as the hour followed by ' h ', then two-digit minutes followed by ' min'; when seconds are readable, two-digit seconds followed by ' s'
12 h 32 min
